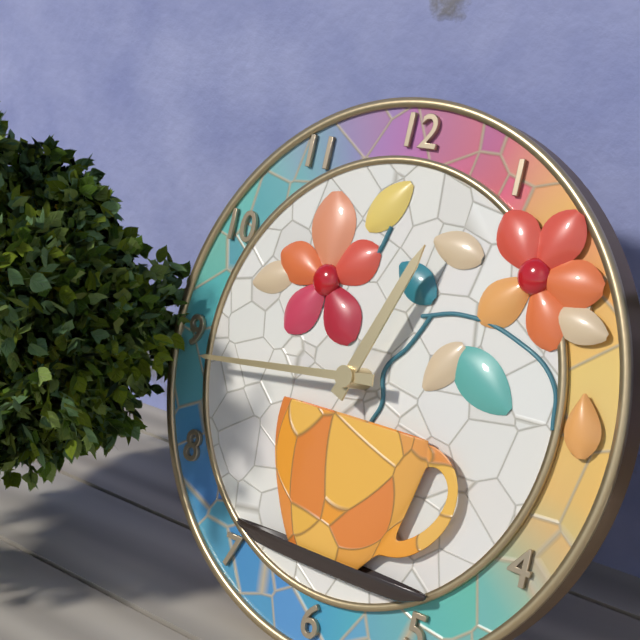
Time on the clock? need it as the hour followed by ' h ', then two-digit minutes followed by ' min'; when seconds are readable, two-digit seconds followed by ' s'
12 h 44 min
